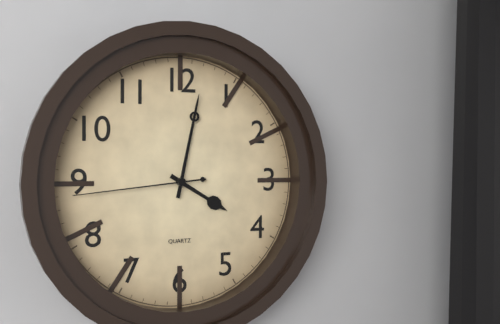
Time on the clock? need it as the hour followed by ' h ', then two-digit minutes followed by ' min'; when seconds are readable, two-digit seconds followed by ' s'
4 h 02 min 44 s
